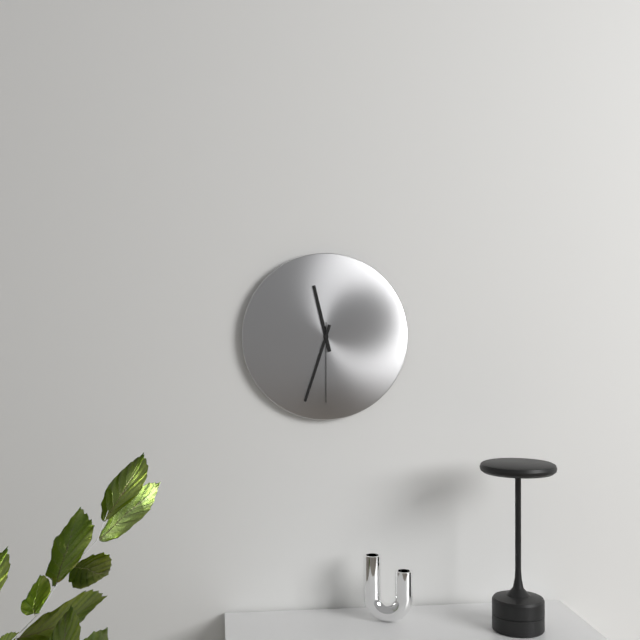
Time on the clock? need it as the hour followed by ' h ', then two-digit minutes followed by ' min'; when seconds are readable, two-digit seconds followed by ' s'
11 h 33 min 30 s
